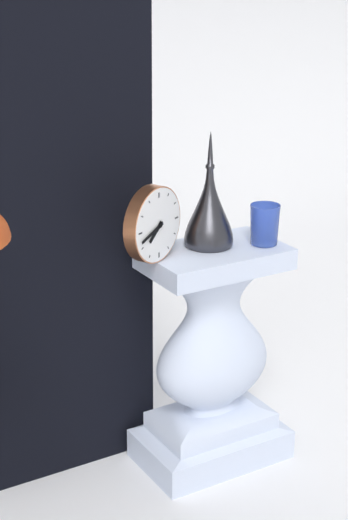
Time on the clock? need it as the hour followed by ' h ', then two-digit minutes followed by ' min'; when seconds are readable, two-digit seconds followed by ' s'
7 h 42 min
